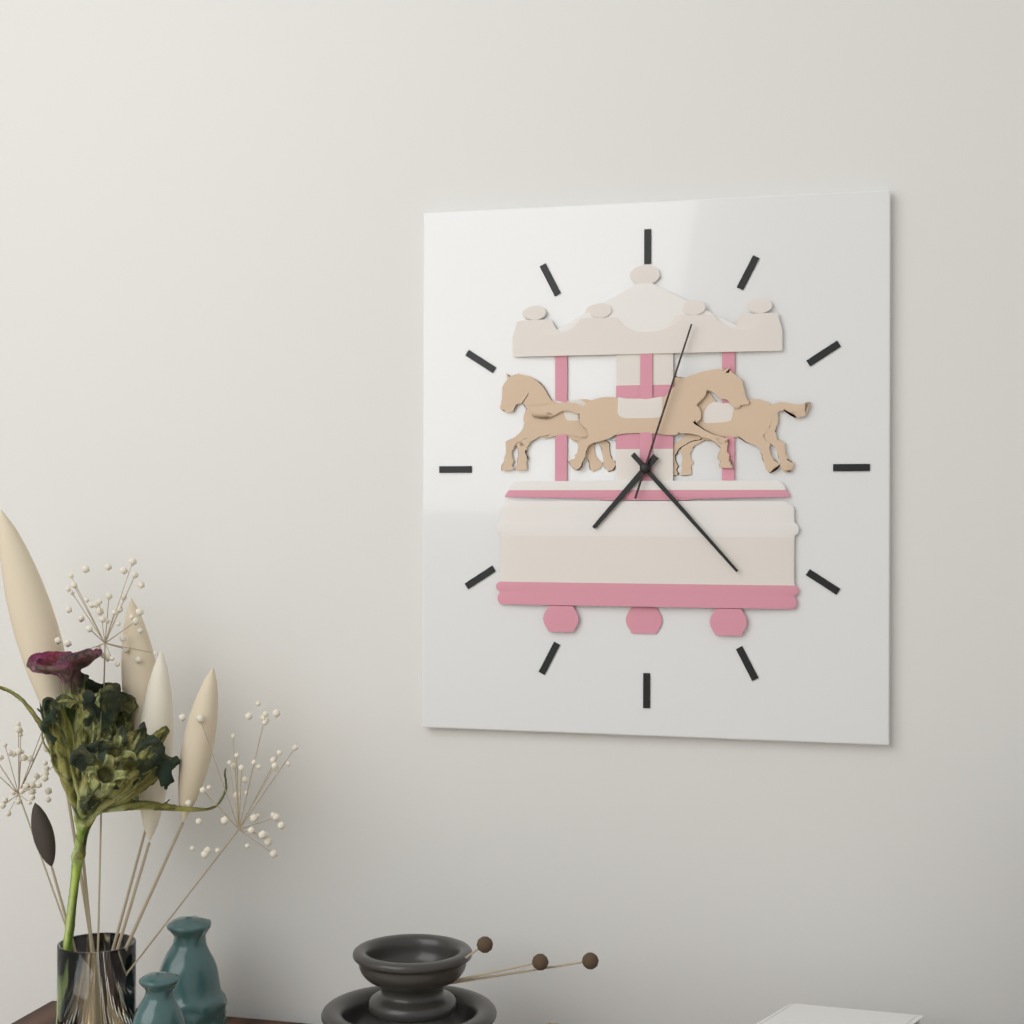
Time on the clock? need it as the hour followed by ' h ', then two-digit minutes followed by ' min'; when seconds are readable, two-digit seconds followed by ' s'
7 h 23 min 03 s
